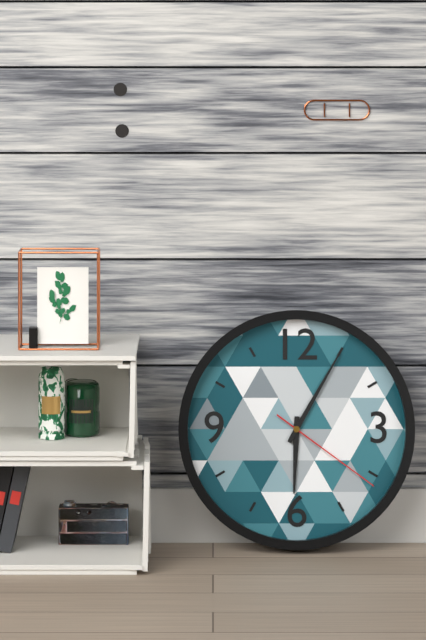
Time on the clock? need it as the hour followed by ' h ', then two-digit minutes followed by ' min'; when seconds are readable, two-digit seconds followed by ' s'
6 h 05 min 21 s
